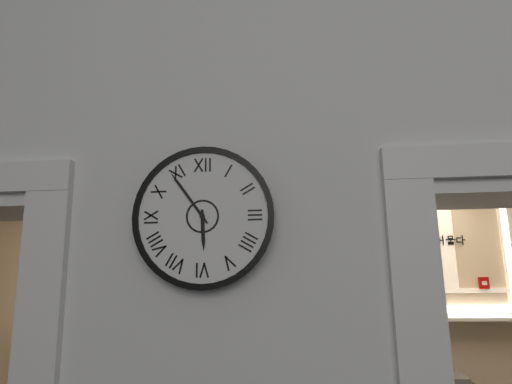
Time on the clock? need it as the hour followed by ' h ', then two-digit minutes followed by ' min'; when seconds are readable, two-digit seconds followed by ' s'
5 h 54 min
